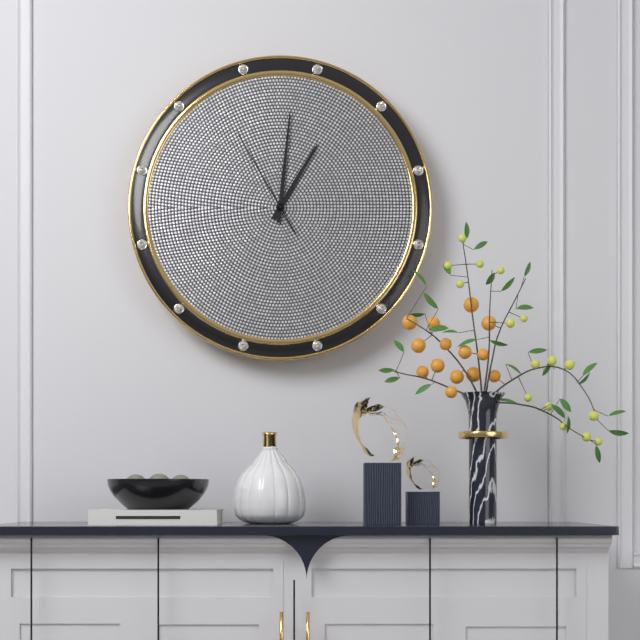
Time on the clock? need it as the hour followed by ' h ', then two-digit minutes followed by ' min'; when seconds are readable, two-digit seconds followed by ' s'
1 h 01 min 55 s
